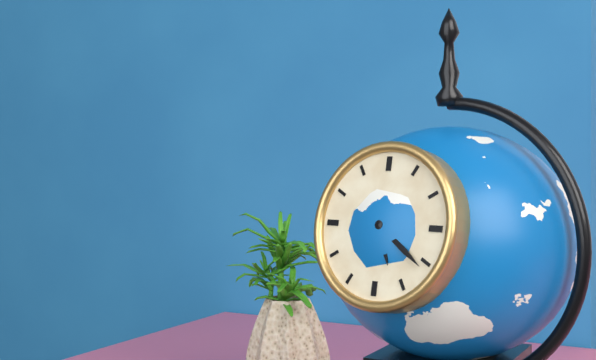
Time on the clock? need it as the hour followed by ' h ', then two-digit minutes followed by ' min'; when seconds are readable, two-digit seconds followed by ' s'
5 h 21 min
